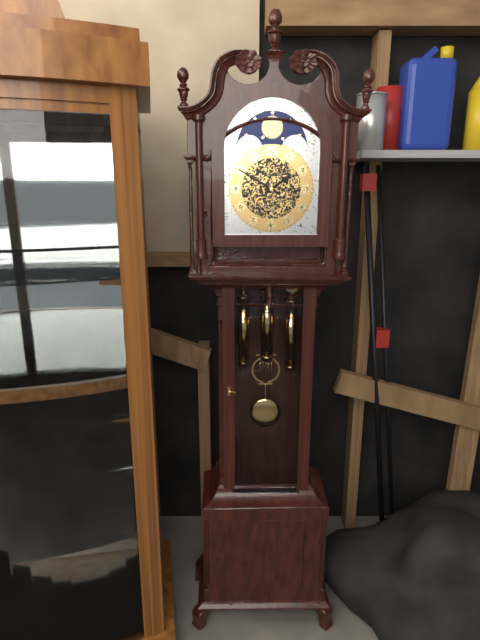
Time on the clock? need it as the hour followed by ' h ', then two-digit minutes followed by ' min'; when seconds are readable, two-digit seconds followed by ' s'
1 h 50 min
